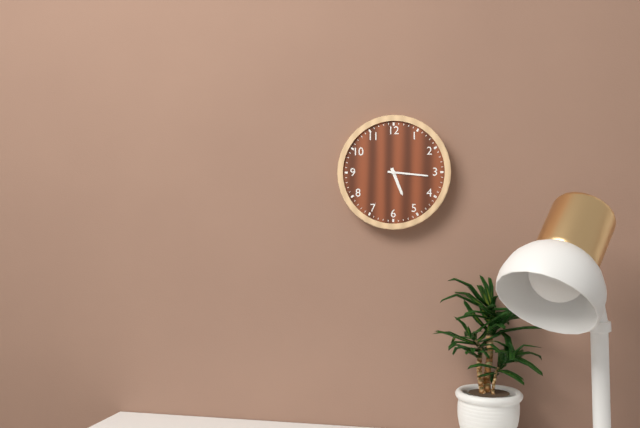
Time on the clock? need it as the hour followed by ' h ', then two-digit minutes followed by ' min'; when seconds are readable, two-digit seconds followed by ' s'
5 h 16 min
